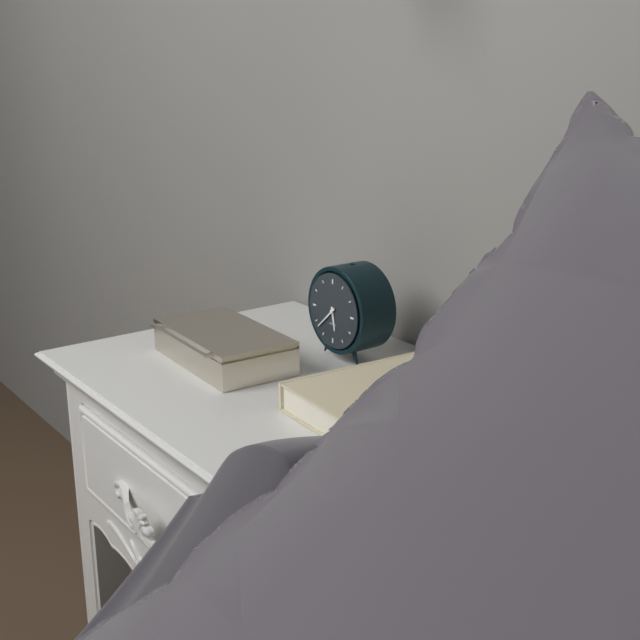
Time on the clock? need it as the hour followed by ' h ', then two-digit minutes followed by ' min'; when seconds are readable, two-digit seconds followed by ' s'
5 h 38 min
